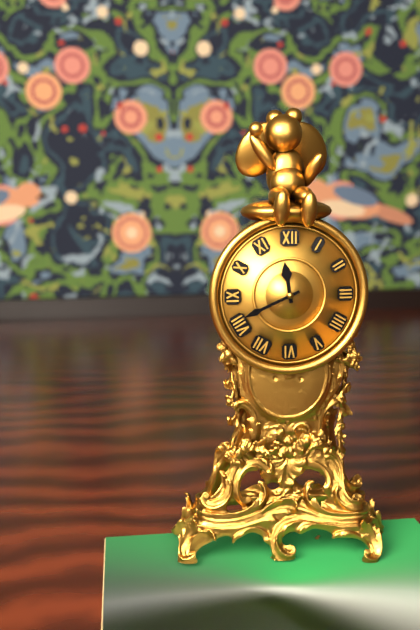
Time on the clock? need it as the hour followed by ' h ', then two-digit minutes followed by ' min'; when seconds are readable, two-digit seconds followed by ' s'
11 h 41 min
